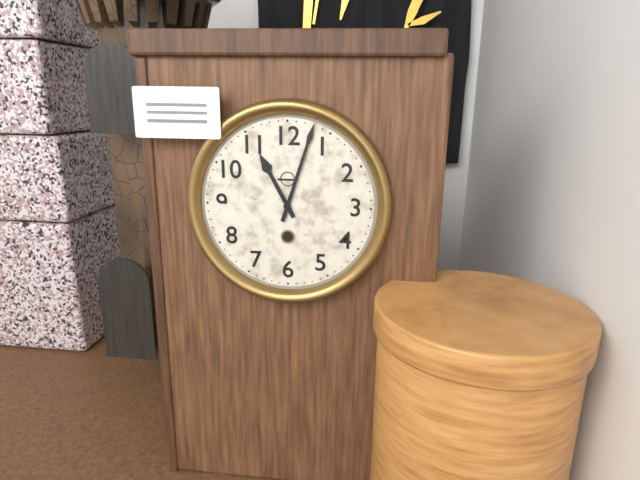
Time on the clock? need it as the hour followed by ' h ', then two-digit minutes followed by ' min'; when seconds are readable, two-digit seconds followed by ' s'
11 h 03 min
